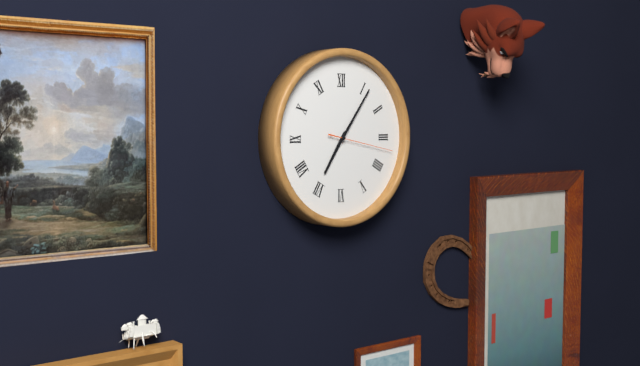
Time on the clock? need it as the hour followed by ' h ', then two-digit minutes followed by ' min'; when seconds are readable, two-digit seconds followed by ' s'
7 h 06 min 17 s
